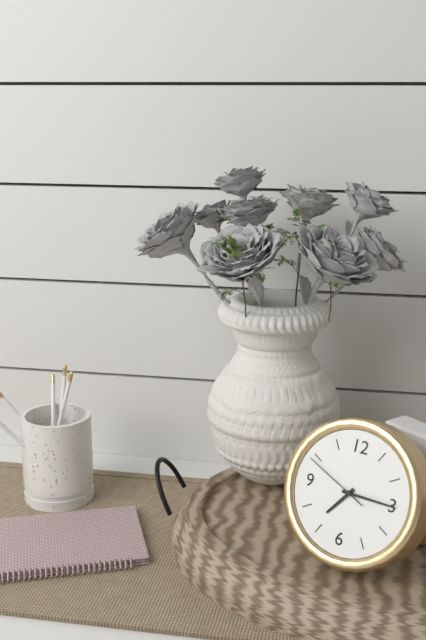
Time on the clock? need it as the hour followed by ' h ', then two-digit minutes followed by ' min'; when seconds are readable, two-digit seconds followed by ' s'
7 h 15 min 49 s
